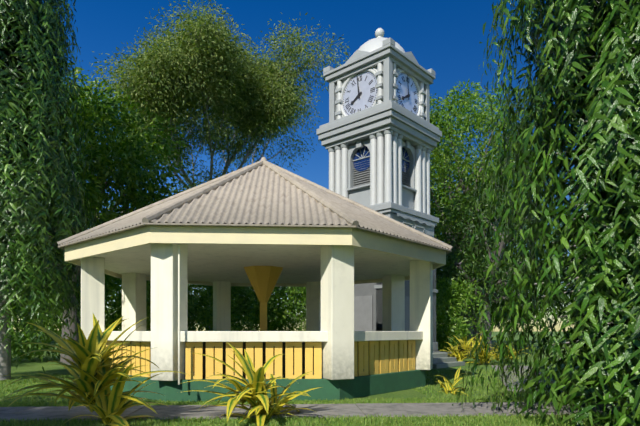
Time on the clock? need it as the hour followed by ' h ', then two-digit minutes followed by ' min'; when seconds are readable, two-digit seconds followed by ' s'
7 h 59 min
